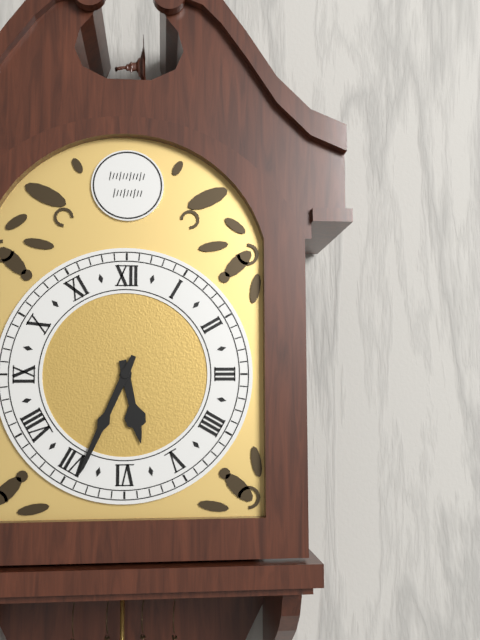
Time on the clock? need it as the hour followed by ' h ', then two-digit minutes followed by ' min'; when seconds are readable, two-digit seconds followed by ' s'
5 h 34 min
